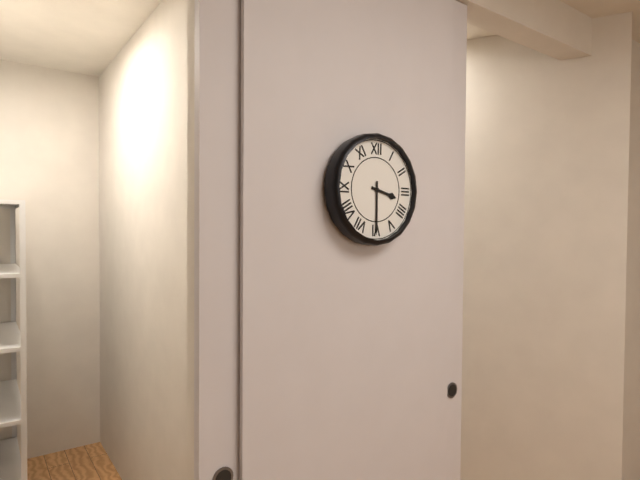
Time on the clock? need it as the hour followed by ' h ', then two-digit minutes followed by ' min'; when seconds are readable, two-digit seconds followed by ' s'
3 h 30 min
